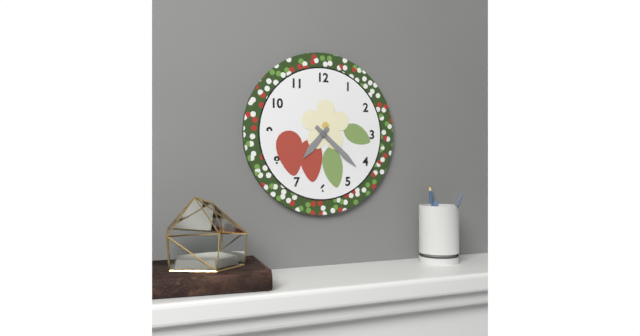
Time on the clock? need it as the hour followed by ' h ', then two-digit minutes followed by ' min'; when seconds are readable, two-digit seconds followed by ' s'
7 h 22 min
